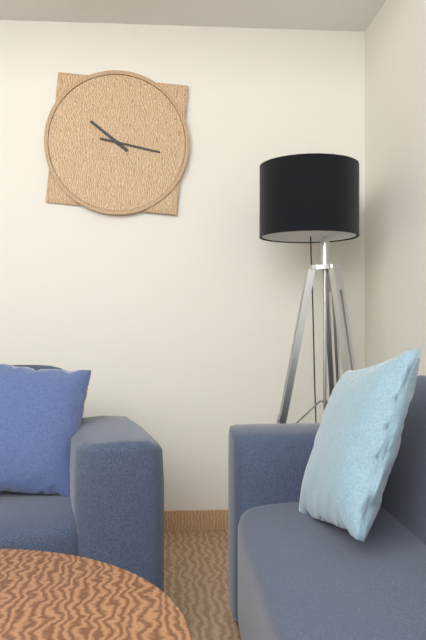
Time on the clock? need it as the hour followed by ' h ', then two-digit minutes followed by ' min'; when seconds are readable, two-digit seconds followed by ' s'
10 h 17 min
